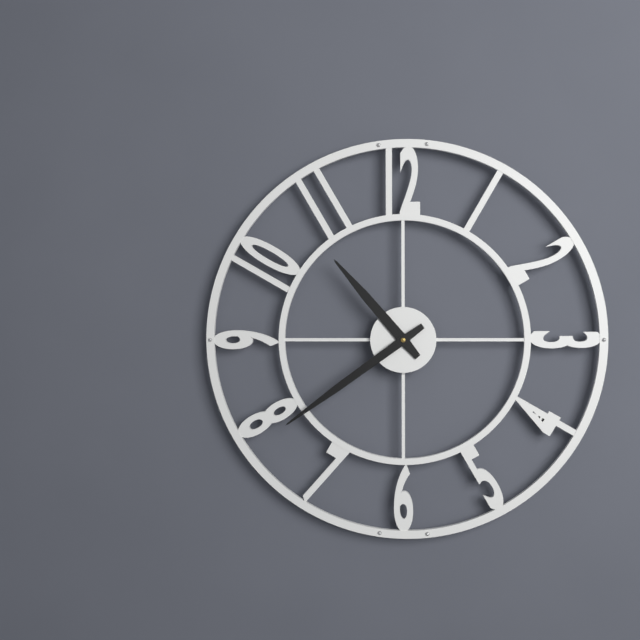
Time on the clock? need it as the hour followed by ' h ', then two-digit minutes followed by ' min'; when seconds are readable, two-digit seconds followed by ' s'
10 h 39 min
